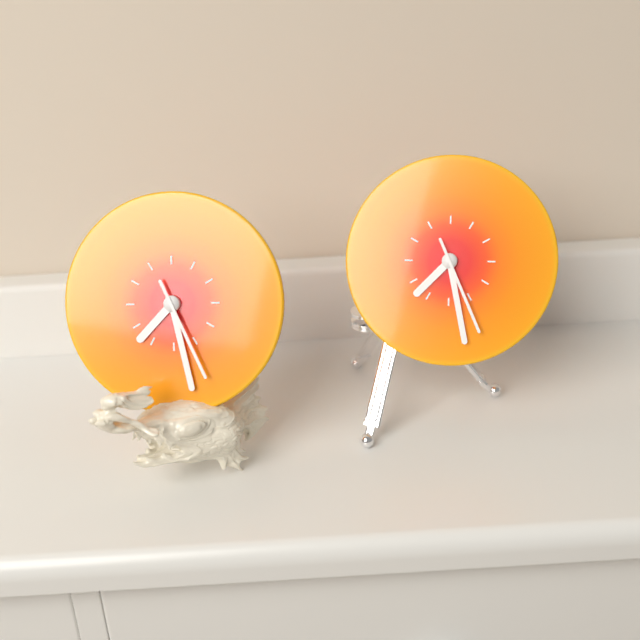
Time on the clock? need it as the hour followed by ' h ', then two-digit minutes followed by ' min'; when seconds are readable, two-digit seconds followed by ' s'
7 h 28 min 26 s
